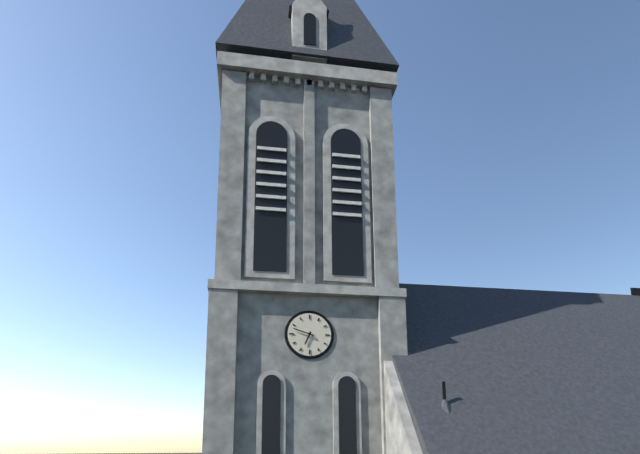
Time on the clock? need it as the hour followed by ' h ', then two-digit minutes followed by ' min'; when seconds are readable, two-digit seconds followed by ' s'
6 h 48 min
